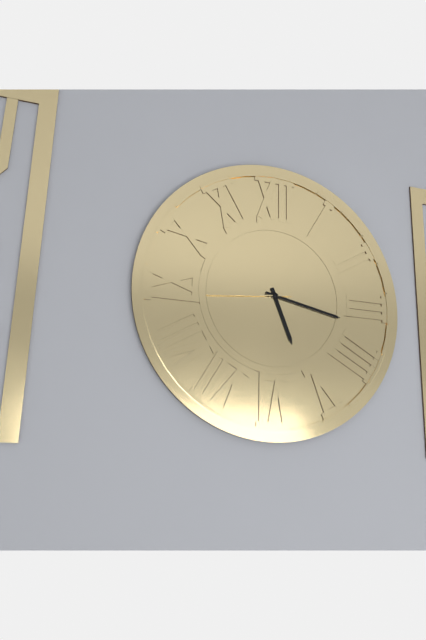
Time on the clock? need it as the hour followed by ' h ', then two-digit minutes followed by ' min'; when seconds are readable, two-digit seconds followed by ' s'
5 h 17 min 44 s
